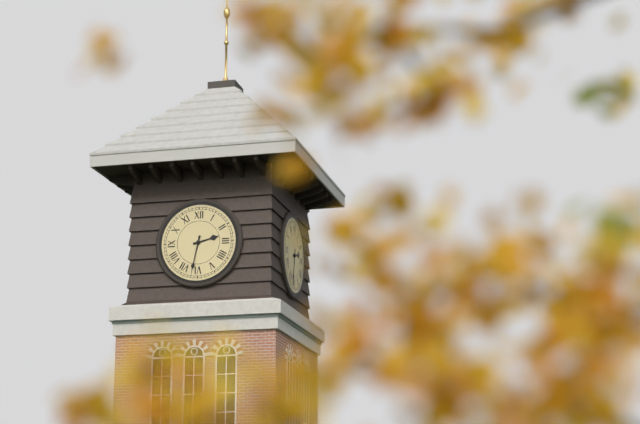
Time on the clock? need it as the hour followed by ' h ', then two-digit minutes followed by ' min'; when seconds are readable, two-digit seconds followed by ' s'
2 h 32 min
